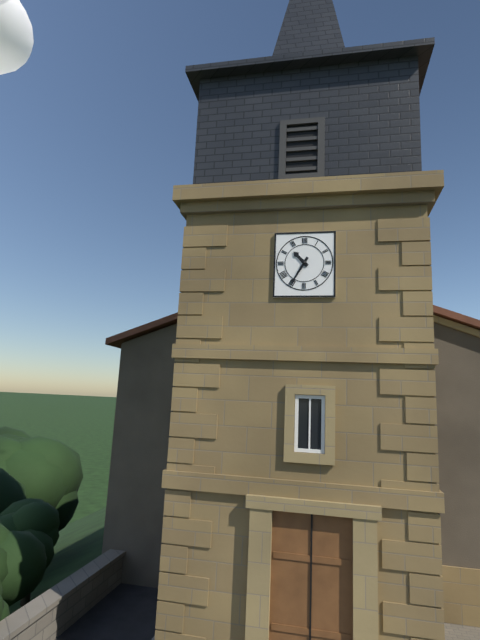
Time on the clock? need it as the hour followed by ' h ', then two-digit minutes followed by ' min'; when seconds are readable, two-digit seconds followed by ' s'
10 h 35 min
